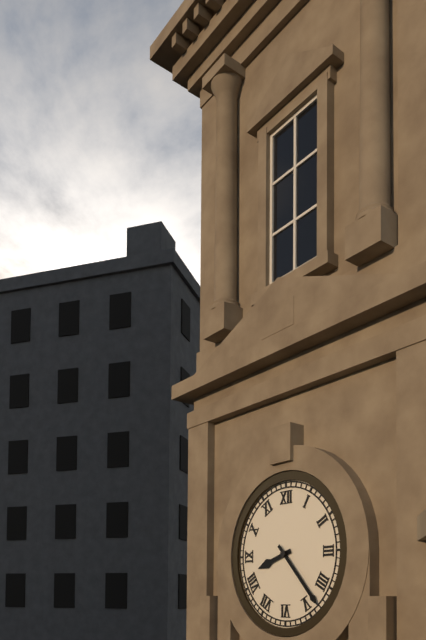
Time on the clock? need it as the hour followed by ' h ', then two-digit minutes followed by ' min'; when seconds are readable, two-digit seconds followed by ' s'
8 h 23 min
